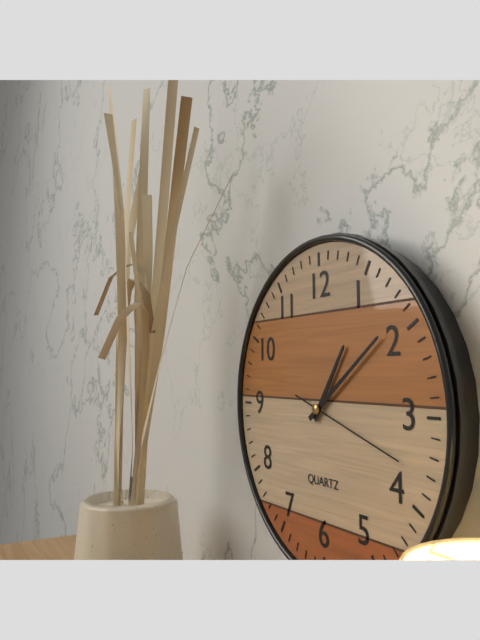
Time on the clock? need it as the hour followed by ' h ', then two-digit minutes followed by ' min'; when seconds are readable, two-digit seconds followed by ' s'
1 h 09 min 18 s
